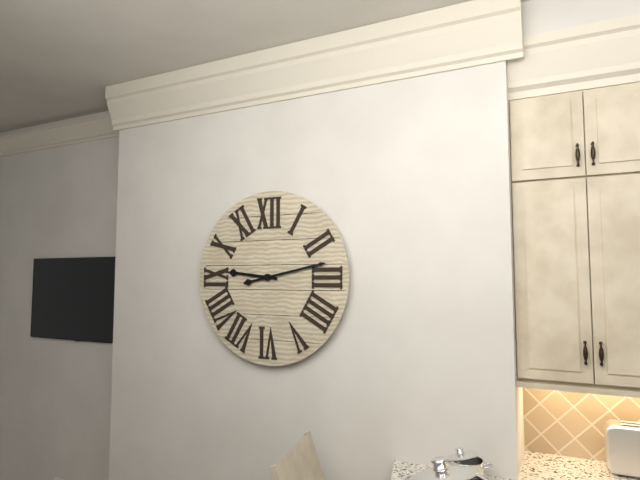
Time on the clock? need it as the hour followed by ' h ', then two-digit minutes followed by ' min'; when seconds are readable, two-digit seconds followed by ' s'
9 h 13 min
